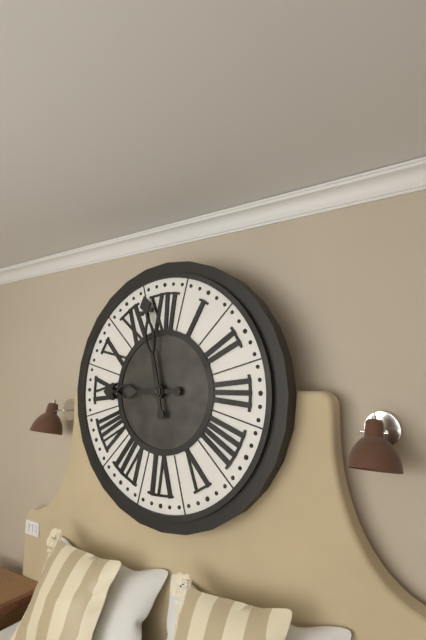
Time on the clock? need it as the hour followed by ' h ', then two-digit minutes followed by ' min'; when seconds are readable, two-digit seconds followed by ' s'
8 h 58 min
